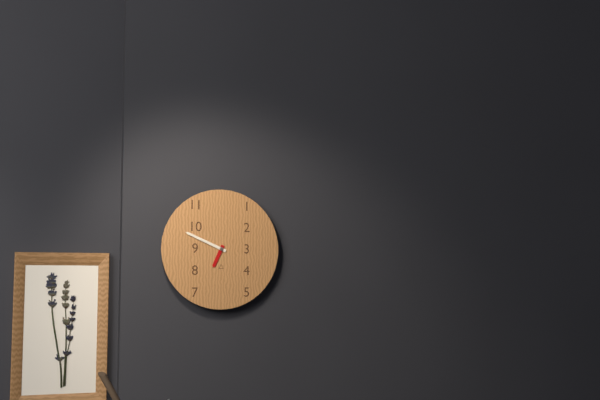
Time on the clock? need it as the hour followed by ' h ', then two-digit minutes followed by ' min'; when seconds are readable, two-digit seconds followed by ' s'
6 h 49 min
